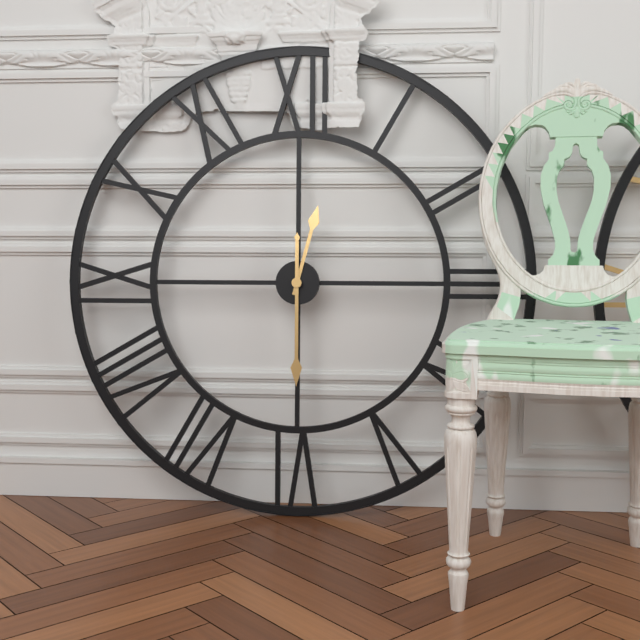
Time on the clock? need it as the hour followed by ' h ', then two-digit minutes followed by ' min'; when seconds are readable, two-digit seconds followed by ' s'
12 h 30 min
